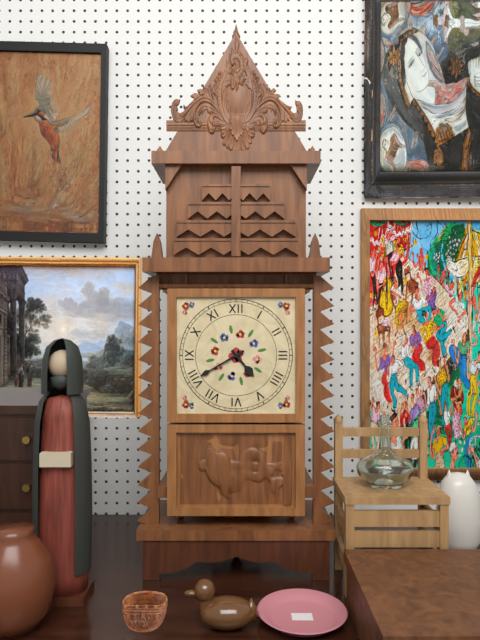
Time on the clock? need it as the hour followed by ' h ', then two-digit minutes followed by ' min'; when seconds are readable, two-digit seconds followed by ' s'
4 h 40 min
